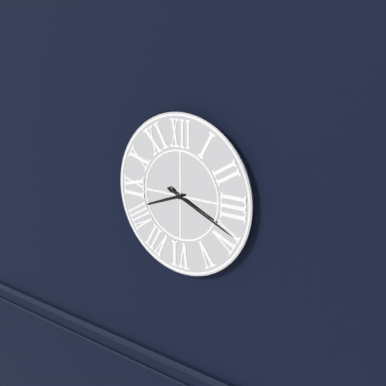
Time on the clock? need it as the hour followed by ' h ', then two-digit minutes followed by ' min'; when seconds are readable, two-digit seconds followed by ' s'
8 h 19 min
